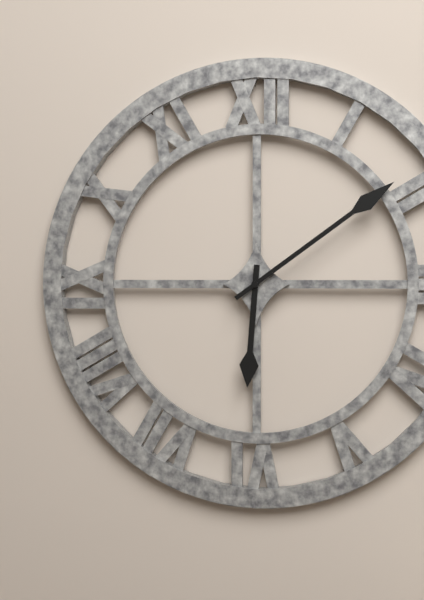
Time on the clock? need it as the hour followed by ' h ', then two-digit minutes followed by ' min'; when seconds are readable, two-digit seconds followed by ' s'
6 h 09 min
